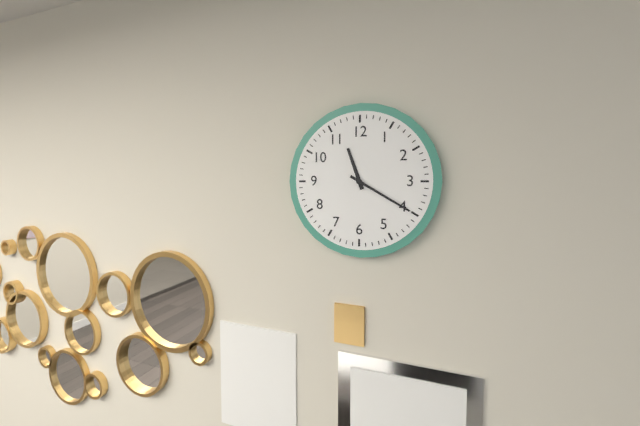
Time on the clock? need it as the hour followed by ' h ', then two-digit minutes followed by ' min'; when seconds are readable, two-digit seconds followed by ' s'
11 h 20 min
